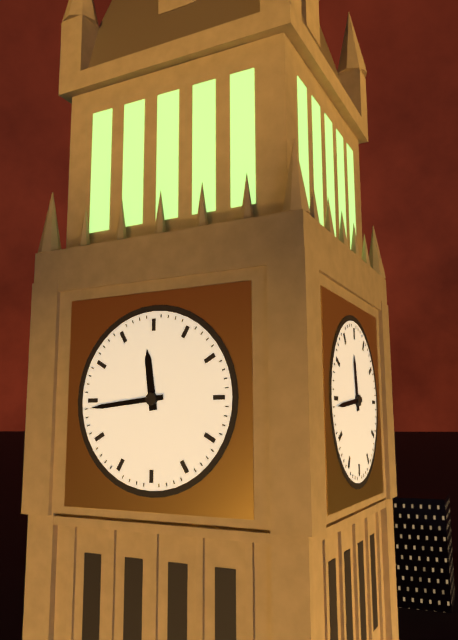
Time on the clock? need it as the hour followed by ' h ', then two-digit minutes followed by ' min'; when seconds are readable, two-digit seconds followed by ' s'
11 h 44 min
